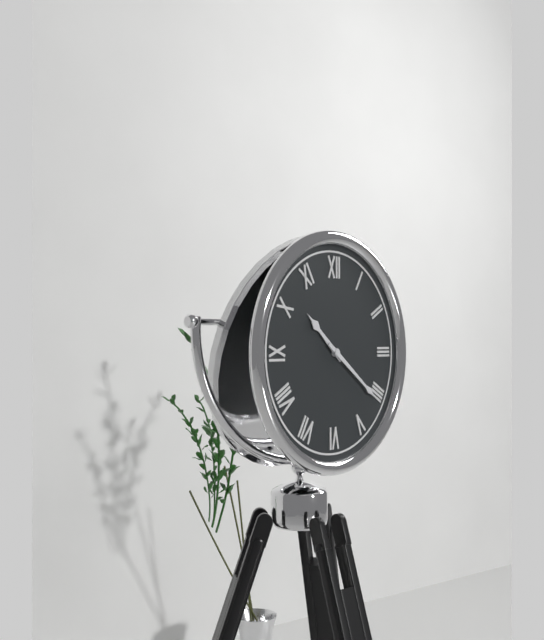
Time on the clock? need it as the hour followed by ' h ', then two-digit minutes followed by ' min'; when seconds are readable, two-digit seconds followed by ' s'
10 h 21 min
